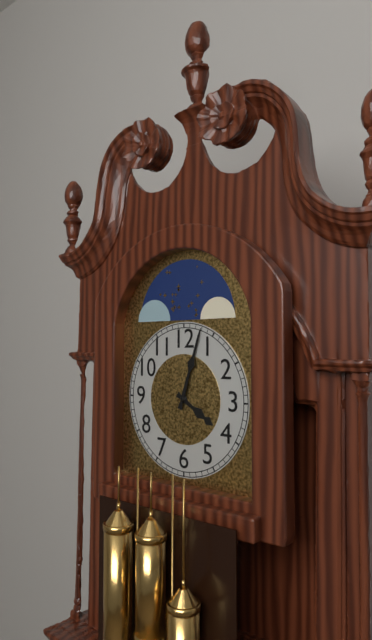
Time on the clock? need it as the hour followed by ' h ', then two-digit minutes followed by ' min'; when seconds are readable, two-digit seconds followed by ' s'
4 h 03 min
